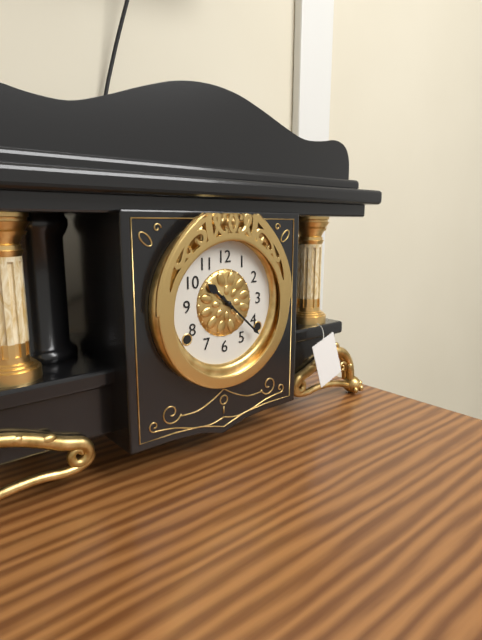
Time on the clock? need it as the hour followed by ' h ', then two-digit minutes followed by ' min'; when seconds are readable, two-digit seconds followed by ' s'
10 h 22 min
